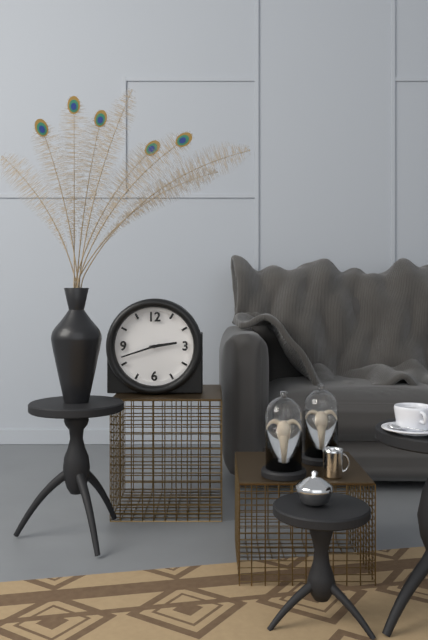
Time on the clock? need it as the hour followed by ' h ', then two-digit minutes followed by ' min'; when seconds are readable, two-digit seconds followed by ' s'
2 h 42 min
